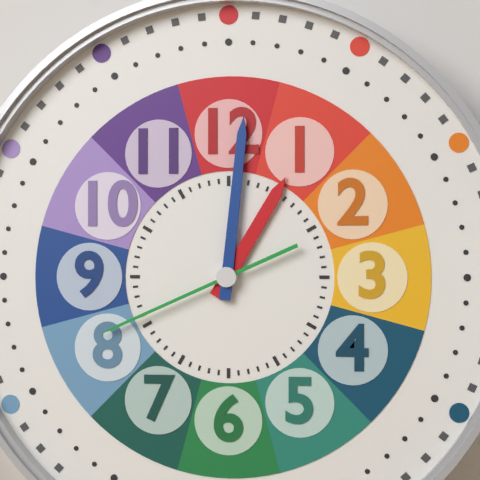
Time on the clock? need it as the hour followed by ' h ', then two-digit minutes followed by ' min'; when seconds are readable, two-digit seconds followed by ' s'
1 h 01 min 41 s
